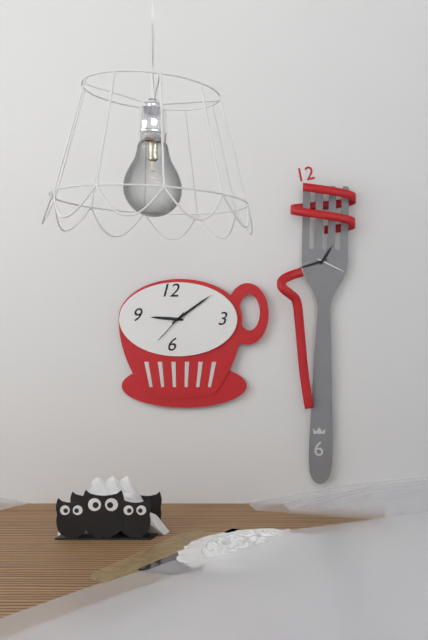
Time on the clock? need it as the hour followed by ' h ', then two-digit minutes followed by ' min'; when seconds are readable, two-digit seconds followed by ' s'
9 h 09 min
